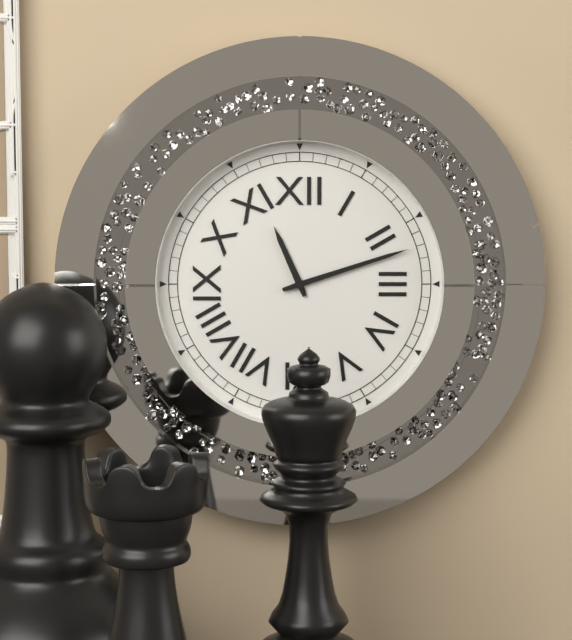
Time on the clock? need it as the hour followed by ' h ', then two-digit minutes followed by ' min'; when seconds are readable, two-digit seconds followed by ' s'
11 h 12 min
